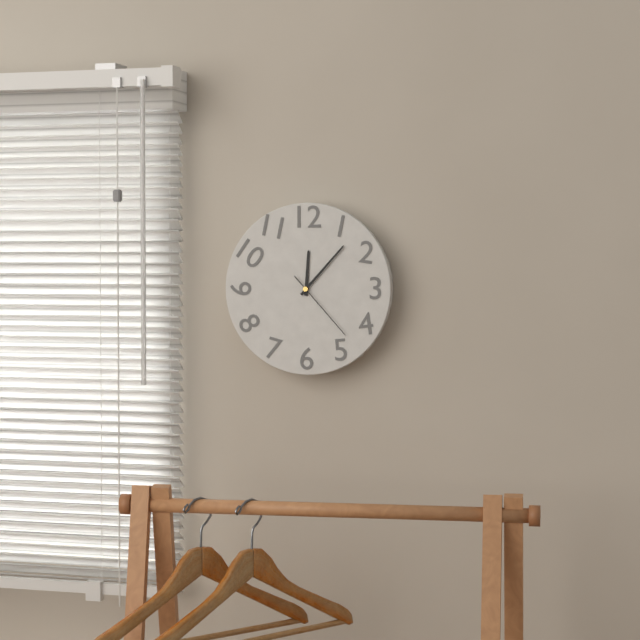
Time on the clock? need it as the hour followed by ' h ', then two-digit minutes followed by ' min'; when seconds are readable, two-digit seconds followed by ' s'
12 h 07 min 23 s
